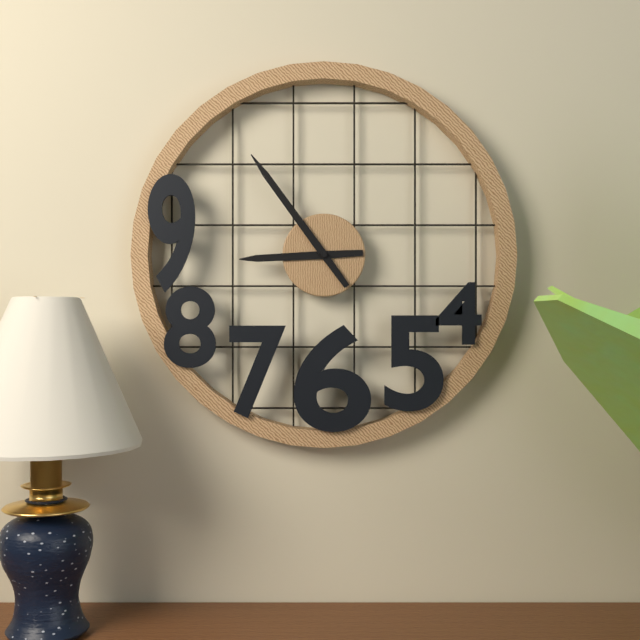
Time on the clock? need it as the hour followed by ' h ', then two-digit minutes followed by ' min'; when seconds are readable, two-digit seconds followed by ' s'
8 h 54 min
